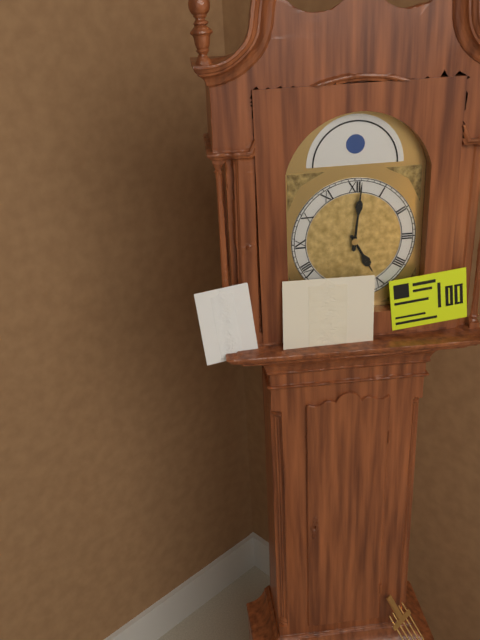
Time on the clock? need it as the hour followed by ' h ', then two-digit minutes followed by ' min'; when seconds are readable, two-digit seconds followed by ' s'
5 h 01 min
